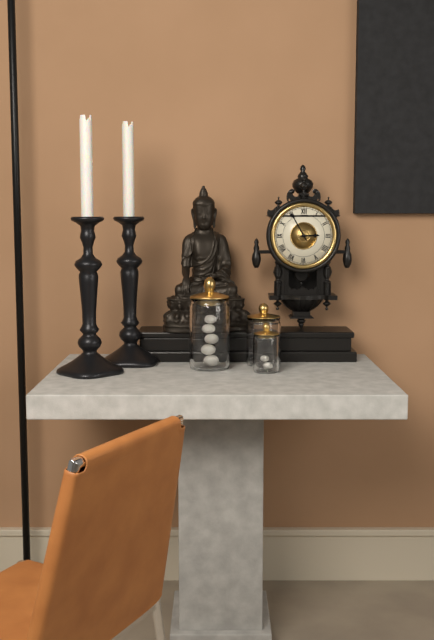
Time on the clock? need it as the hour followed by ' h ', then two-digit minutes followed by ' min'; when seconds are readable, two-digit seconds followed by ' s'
2 h 55 min
